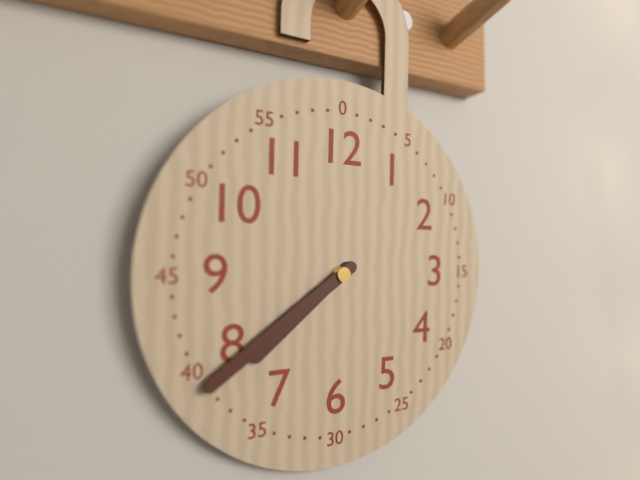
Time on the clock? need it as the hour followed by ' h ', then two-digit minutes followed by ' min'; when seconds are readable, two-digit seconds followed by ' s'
7 h 39 min
